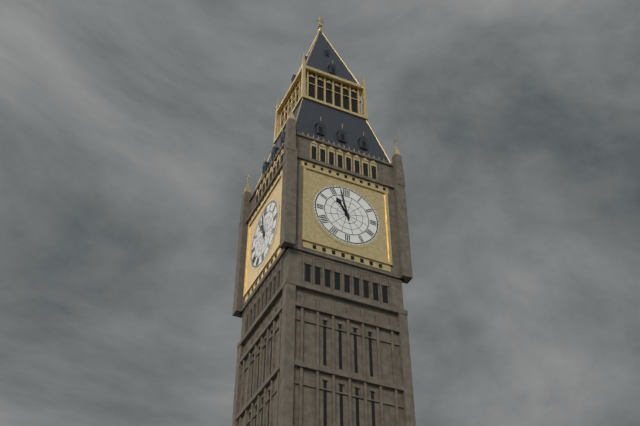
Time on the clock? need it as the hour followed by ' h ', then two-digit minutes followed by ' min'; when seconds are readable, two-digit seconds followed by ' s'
10 h 58 min
